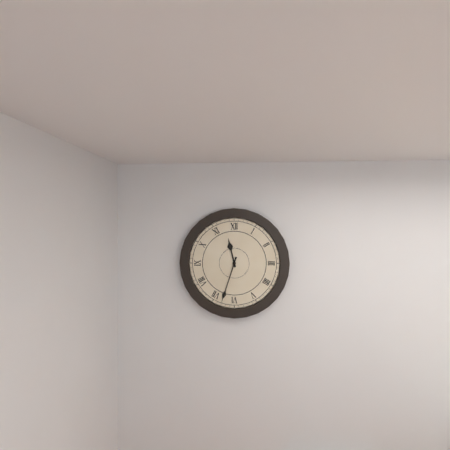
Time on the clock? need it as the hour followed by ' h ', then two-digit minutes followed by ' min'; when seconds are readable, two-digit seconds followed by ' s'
11 h 33 min
